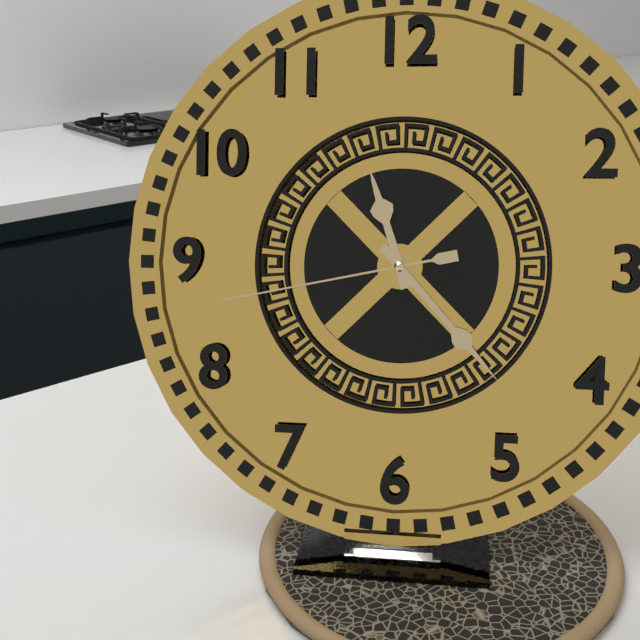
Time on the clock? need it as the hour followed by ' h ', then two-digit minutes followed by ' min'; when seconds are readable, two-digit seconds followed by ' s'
11 h 23 min 43 s
